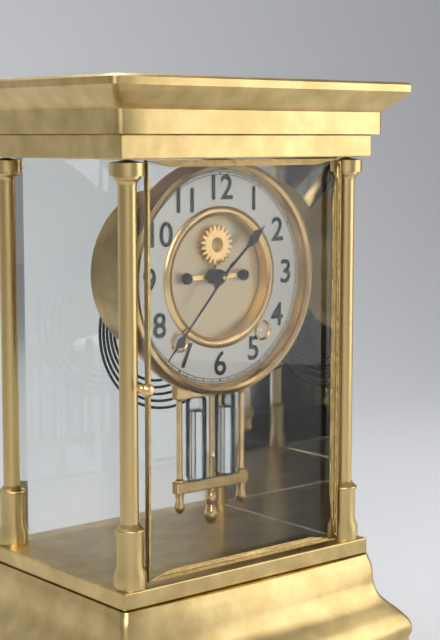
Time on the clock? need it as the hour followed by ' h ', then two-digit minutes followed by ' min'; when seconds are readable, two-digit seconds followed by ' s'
1 h 37 min
